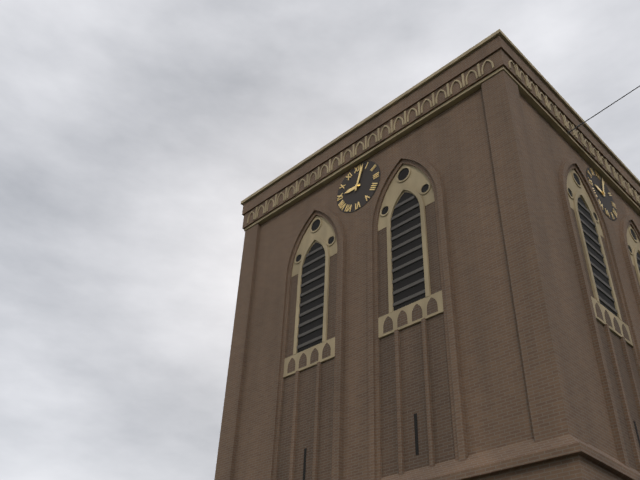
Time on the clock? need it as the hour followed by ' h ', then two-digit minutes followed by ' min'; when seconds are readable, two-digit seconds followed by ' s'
9 h 03 min
